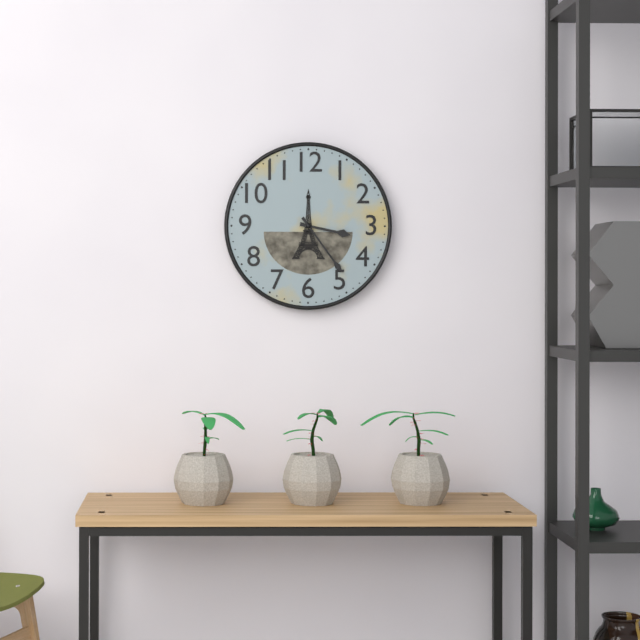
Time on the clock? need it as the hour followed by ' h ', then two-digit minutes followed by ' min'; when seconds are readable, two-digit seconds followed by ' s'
3 h 24 min
